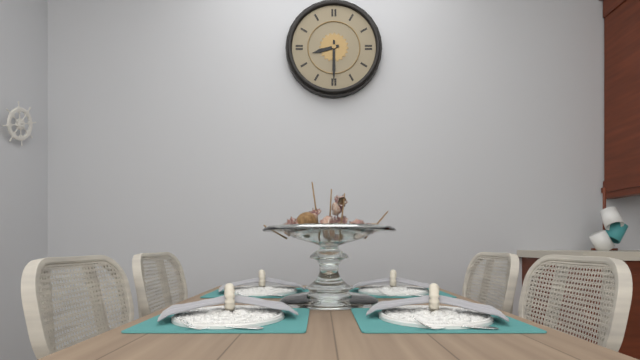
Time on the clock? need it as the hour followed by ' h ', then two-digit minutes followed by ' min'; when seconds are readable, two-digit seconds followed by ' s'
8 h 30 min
